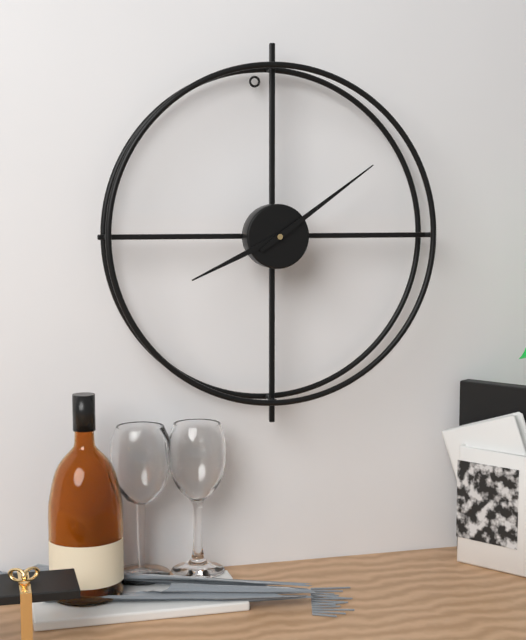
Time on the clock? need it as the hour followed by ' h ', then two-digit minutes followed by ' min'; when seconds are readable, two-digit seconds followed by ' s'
8 h 09 min
